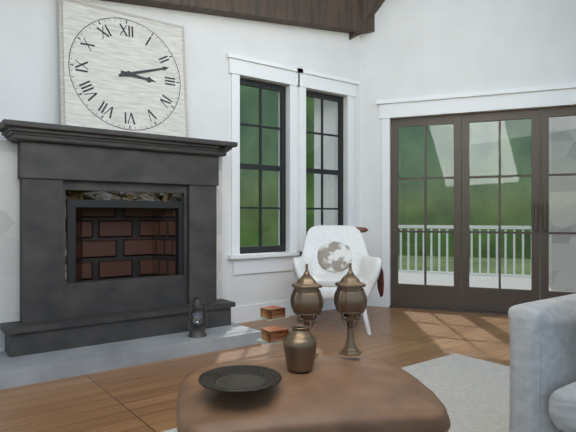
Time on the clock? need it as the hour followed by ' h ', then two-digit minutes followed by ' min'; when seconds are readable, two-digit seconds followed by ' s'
3 h 12 min
